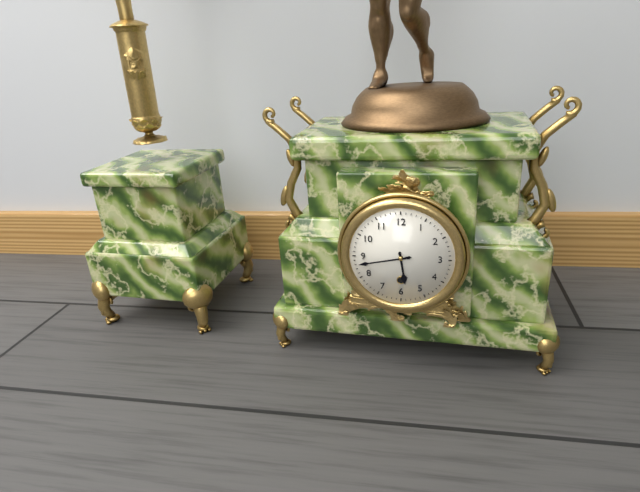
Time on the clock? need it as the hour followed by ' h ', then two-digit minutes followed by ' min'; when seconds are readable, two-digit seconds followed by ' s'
5 h 43 min
